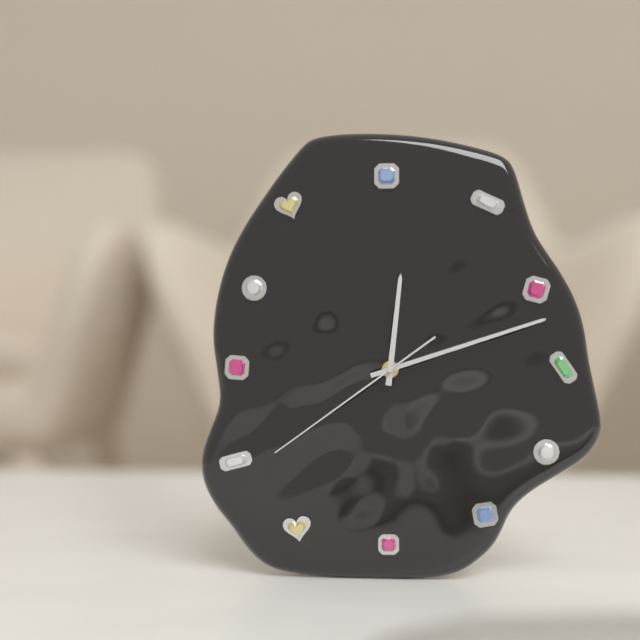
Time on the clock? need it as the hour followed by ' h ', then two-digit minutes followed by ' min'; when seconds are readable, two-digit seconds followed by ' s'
12 h 12 min 39 s
